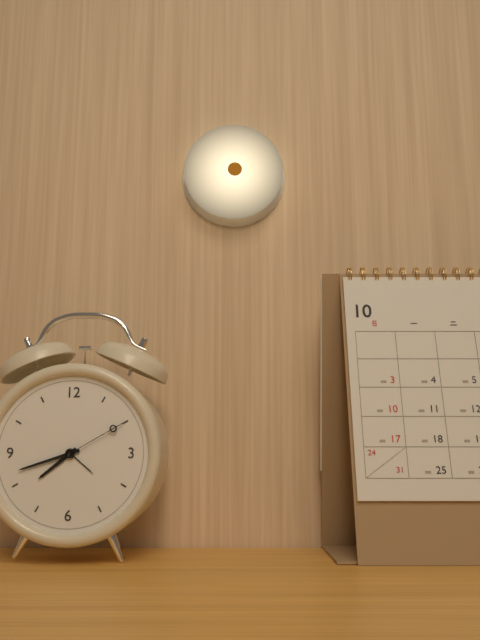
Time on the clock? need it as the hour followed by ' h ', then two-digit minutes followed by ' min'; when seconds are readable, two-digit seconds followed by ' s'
7 h 42 min 10 s
